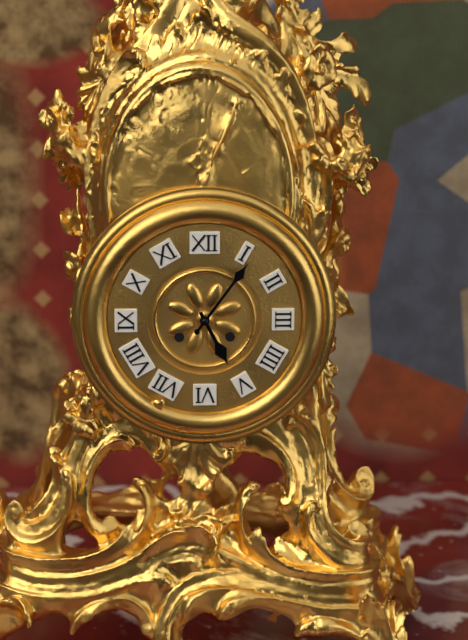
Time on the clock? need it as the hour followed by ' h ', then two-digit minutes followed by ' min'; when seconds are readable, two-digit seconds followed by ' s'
5 h 06 min
